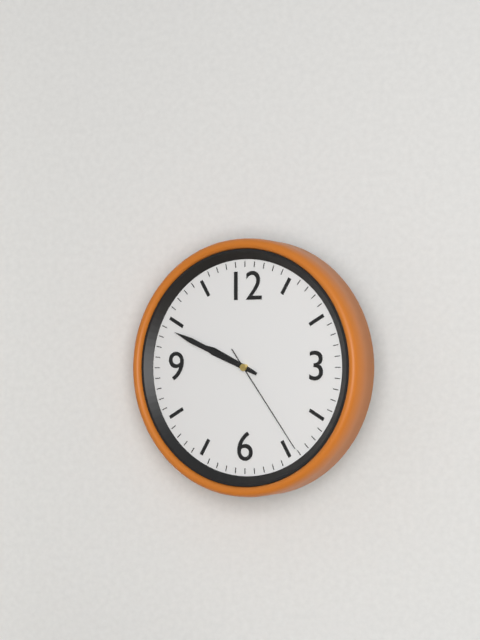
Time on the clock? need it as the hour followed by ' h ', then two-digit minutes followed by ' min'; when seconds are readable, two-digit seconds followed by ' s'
9 h 49 min 24 s
